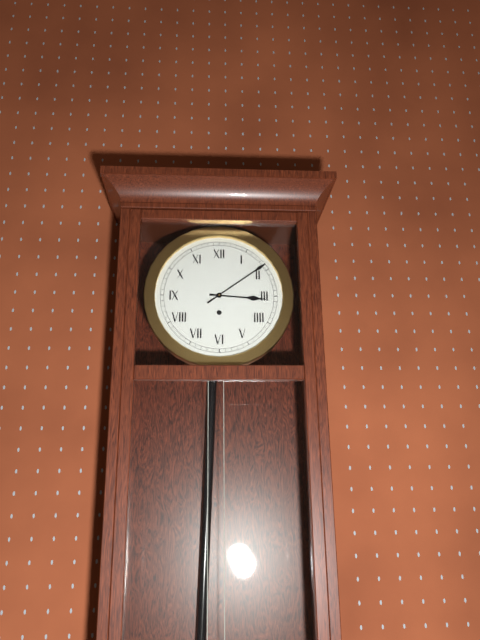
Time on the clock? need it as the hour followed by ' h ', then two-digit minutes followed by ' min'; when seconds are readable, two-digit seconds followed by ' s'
3 h 09 min
